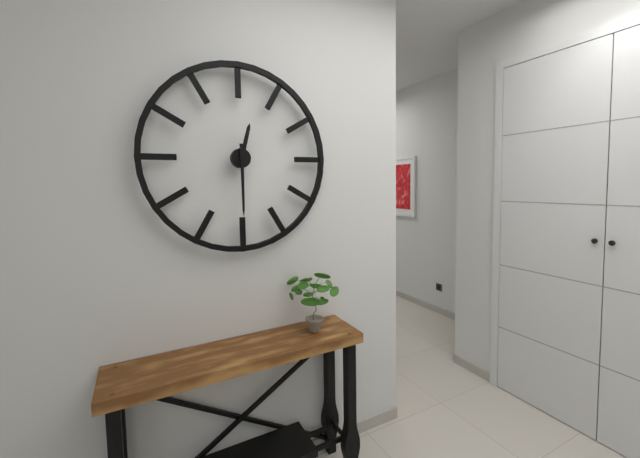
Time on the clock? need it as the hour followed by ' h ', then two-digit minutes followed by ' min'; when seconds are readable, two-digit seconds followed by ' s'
12 h 30 min
